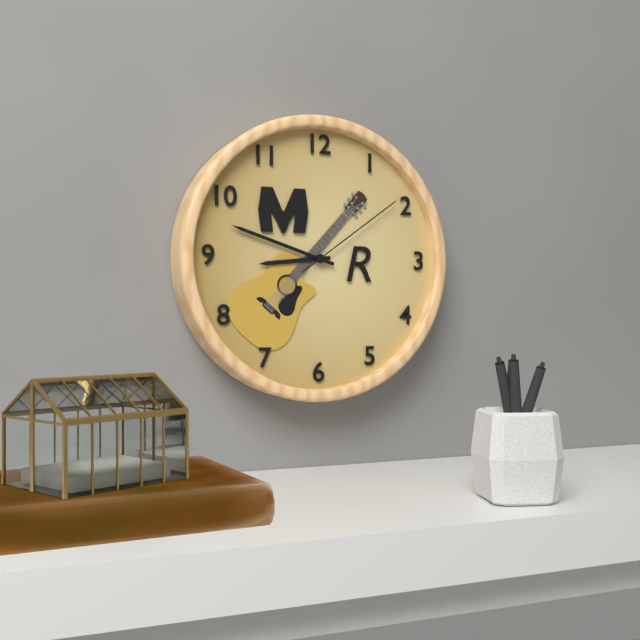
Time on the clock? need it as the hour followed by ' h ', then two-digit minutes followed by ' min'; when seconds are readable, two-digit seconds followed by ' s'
8 h 48 min 09 s
